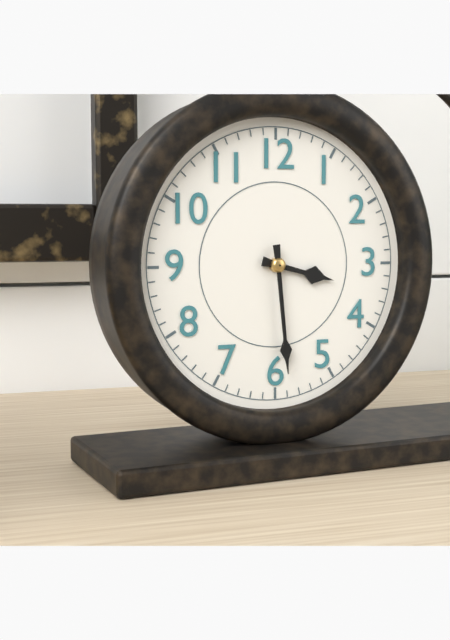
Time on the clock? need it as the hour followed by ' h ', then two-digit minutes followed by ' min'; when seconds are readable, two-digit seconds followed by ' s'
3 h 29 min
